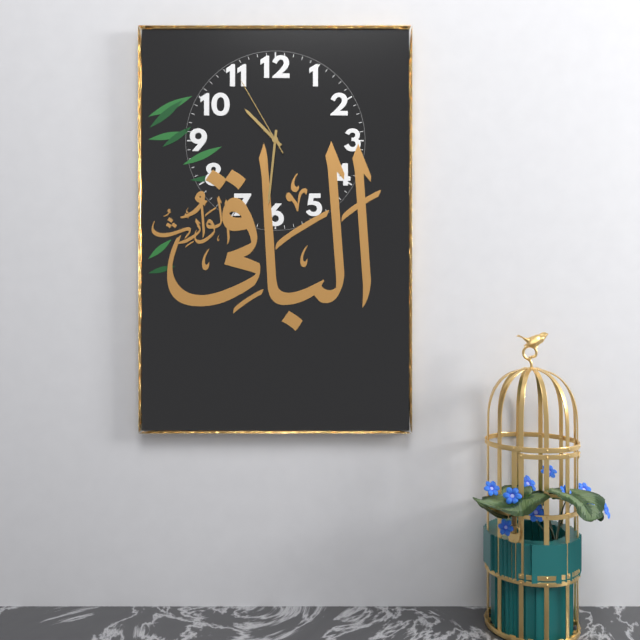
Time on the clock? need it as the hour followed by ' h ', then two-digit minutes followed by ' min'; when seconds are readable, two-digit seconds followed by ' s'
10 h 31 min 55 s
